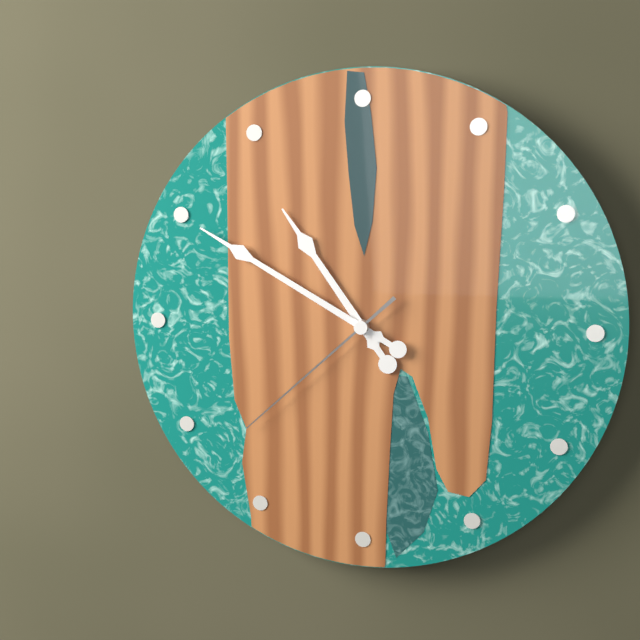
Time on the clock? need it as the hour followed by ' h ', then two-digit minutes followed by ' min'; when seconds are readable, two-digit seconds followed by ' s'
10 h 50 min 38 s
